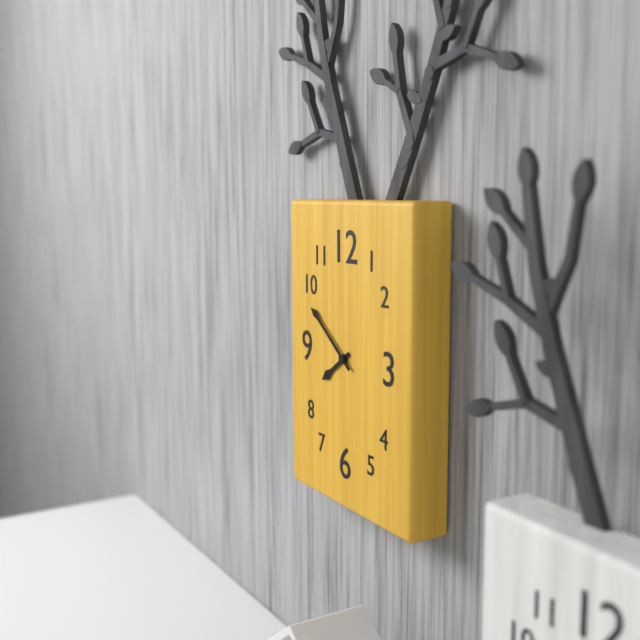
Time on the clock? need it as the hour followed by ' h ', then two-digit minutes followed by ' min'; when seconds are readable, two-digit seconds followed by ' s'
7 h 51 min
